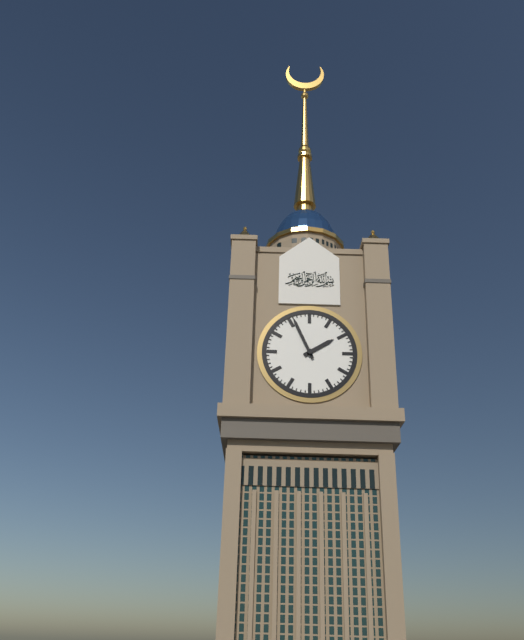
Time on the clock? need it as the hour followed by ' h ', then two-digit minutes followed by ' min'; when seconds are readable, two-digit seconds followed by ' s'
1 h 56 min
